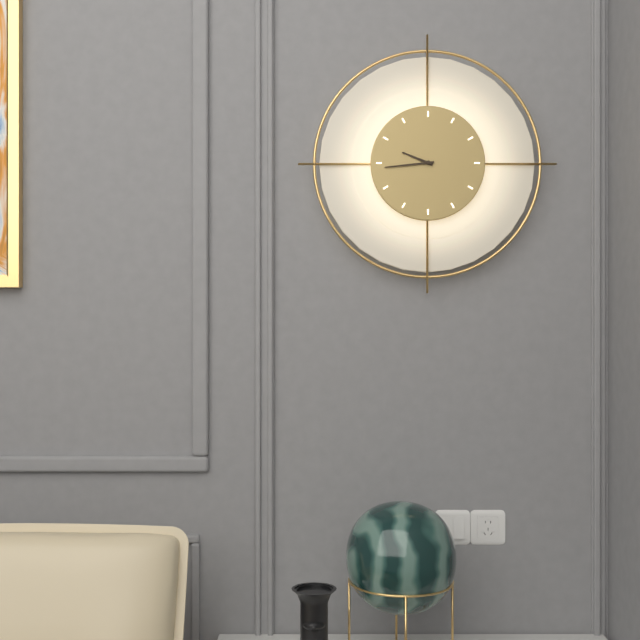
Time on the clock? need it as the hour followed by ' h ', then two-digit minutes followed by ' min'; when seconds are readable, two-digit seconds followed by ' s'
9 h 44 min
